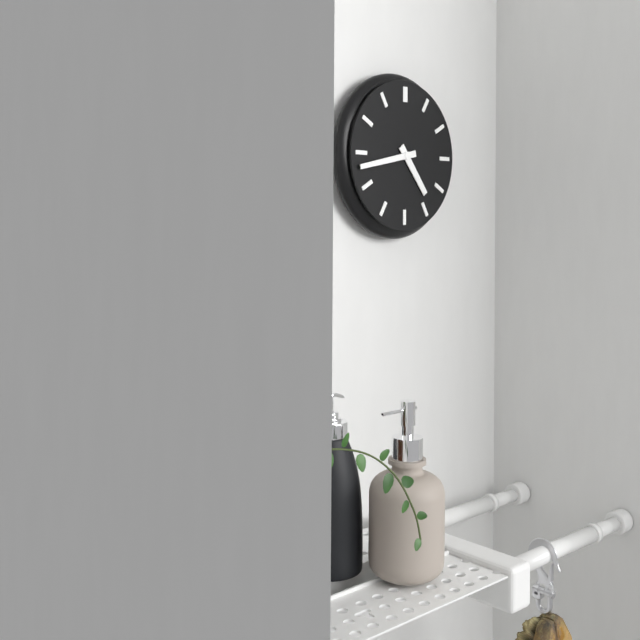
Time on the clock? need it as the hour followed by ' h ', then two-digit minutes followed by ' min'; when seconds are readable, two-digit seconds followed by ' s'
4 h 43 min
